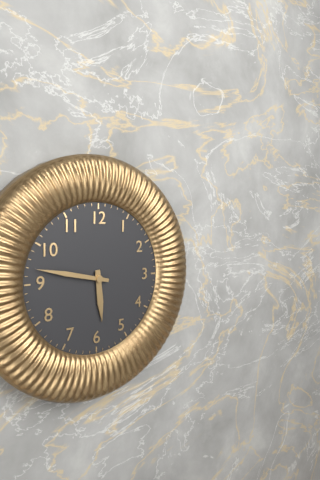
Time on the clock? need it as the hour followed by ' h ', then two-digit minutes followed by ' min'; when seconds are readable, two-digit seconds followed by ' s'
5 h 47 min
